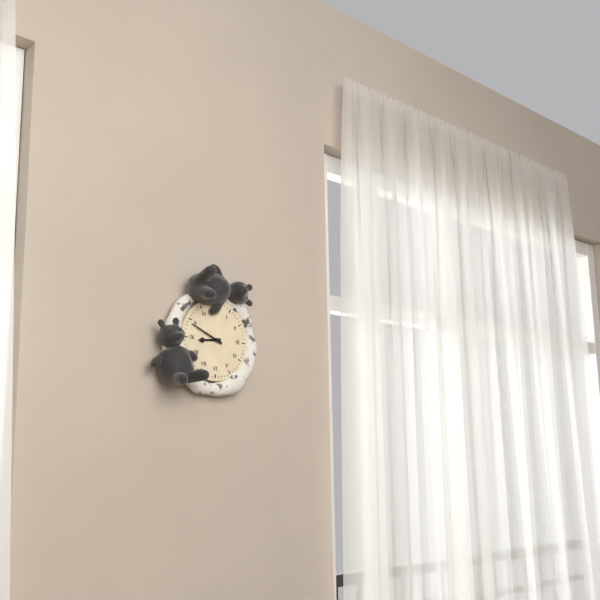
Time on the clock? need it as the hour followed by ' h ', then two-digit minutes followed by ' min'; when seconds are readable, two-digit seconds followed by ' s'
8 h 49 min
